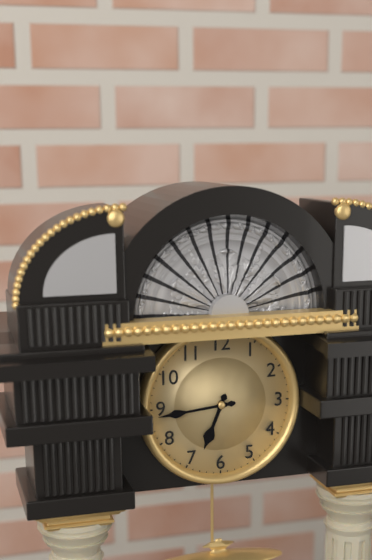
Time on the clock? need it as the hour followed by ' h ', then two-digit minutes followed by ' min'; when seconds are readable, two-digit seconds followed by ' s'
6 h 44 min
